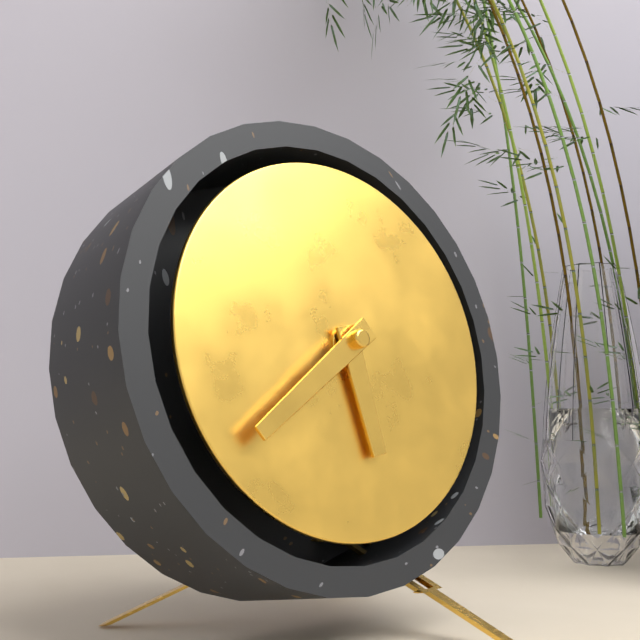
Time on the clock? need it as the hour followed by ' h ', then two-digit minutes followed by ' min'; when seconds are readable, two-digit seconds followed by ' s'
5 h 39 min
